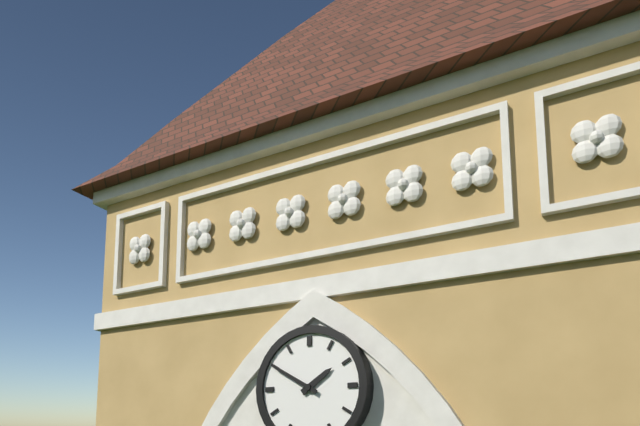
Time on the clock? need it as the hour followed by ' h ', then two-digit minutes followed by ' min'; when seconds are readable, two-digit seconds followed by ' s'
1 h 50 min
